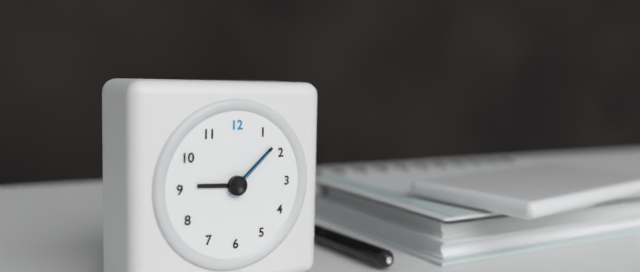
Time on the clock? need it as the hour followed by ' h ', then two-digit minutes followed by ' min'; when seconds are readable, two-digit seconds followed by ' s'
9 h 08 min 08 s
